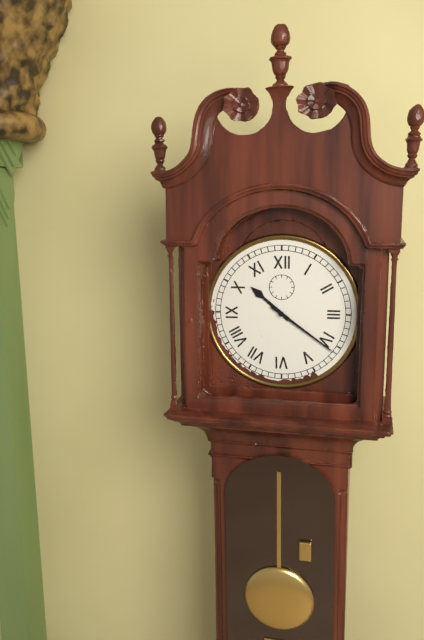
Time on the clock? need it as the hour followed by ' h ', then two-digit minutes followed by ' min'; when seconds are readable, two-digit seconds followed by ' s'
10 h 21 min
